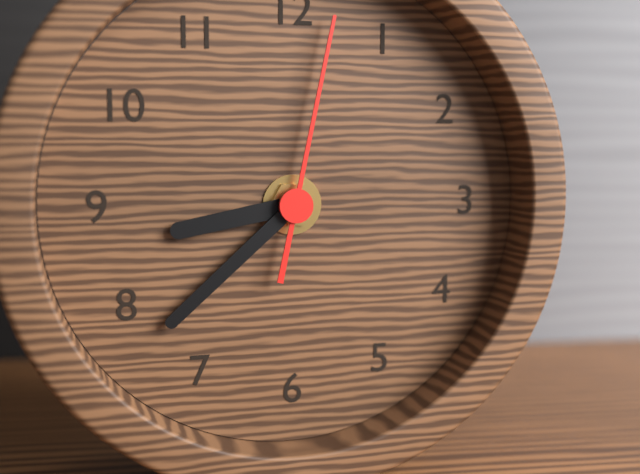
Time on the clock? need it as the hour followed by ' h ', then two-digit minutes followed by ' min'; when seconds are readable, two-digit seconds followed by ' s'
8 h 38 min 02 s
